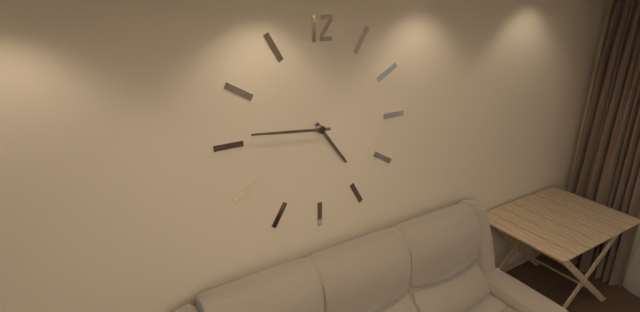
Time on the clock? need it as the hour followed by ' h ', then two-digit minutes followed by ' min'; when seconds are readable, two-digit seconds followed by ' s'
4 h 46 min
